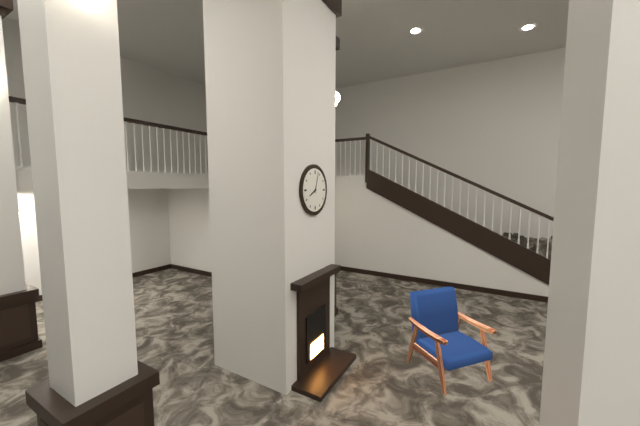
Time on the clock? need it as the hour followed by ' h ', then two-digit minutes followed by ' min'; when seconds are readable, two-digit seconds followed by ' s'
8 h 03 min
